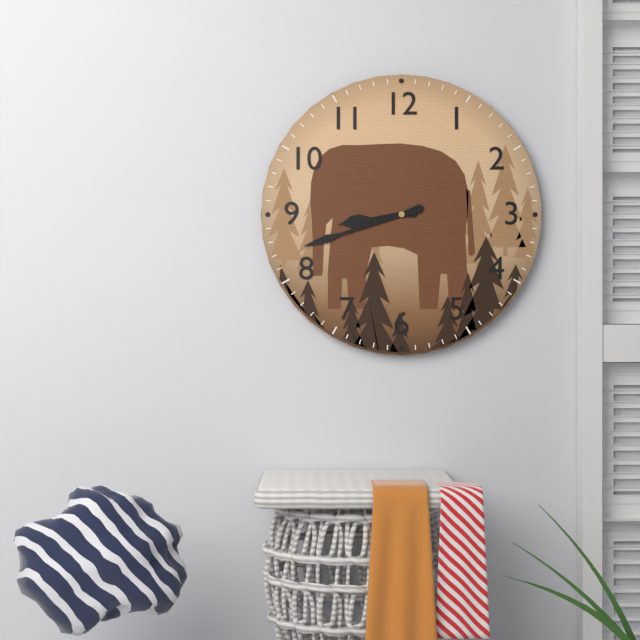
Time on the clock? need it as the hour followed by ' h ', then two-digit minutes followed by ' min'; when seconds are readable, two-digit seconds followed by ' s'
8 h 42 min
